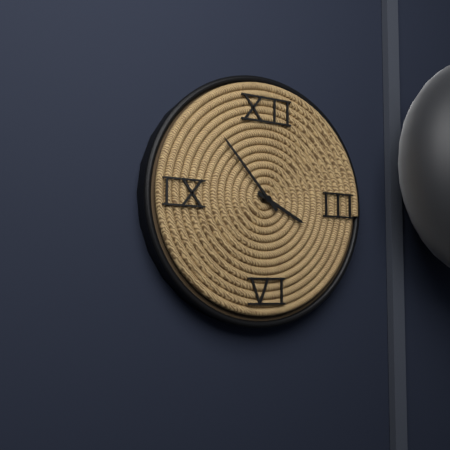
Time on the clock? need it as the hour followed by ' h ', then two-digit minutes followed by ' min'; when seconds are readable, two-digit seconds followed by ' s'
3 h 53 min
